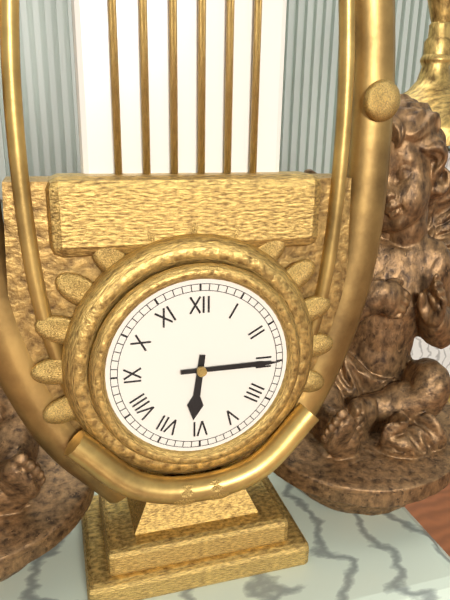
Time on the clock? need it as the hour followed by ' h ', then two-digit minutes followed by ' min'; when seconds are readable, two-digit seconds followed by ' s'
6 h 15 min
